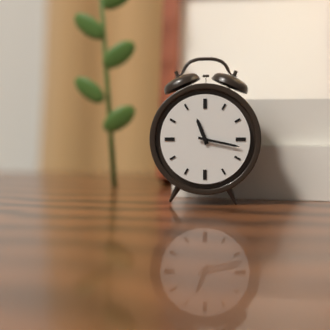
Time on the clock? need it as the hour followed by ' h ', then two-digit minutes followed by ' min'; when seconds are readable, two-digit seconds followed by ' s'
11 h 17 min
